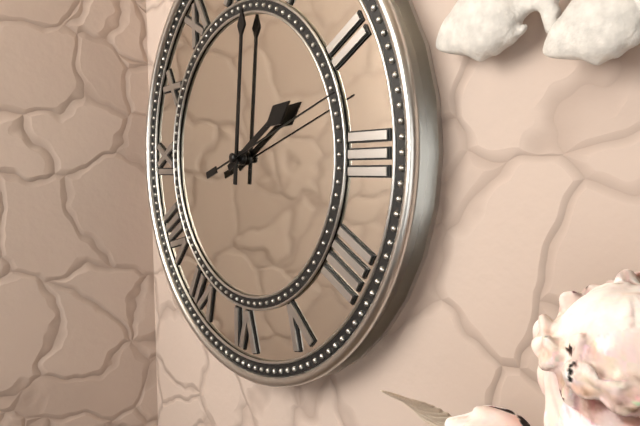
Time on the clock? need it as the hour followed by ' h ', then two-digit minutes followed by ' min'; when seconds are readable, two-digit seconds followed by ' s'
2 h 01 min 12 s
